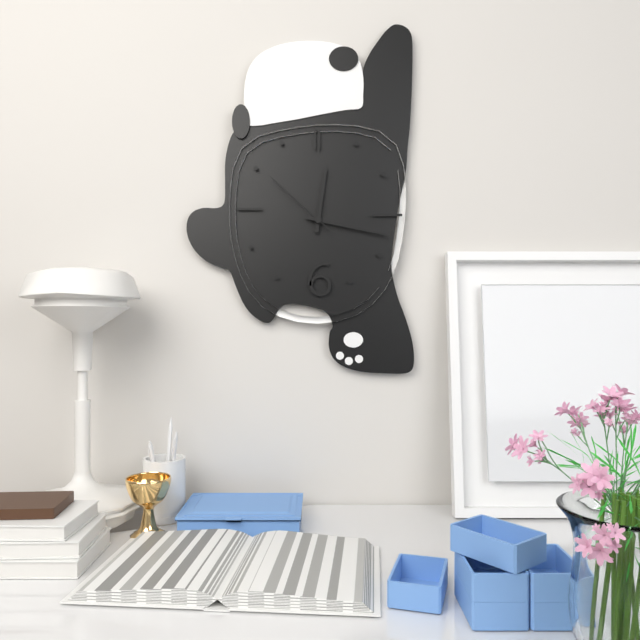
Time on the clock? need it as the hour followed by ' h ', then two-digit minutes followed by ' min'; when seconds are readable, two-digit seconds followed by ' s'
12 h 17 min 52 s
